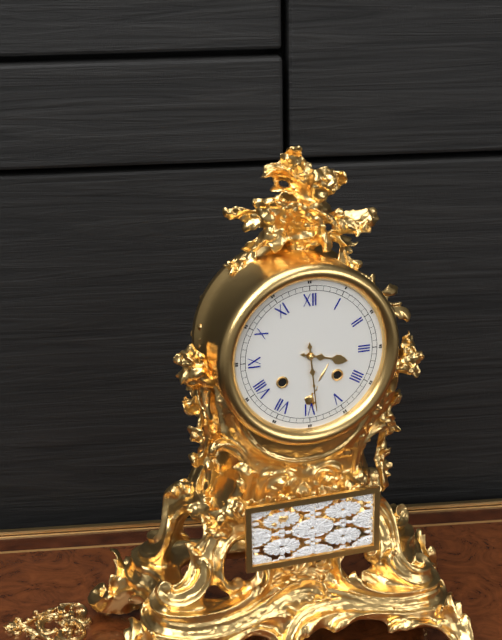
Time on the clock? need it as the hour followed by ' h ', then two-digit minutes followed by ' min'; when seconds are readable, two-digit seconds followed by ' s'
3 h 29 min
